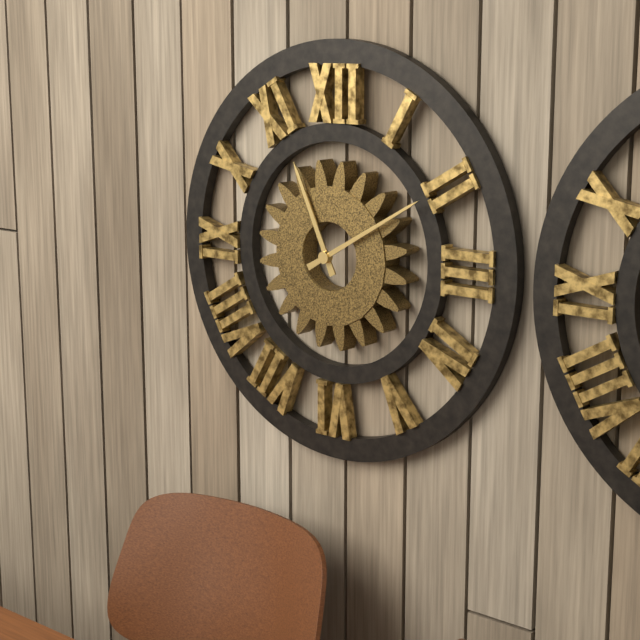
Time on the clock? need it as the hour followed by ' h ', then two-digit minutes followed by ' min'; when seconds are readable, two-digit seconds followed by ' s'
11 h 10 min
